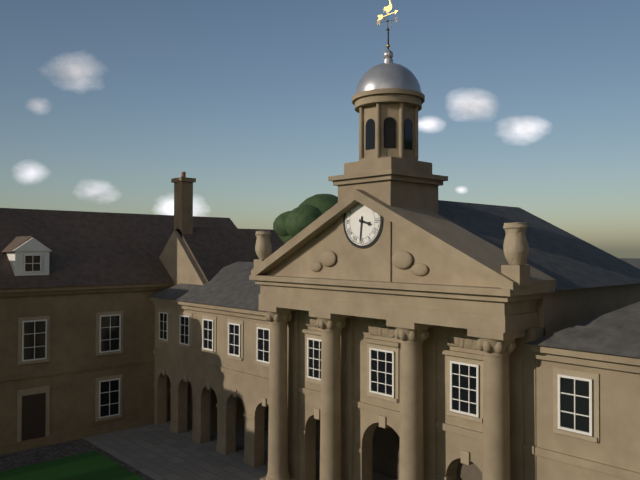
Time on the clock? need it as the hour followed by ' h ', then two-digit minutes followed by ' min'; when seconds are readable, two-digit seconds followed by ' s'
3 h 31 min
